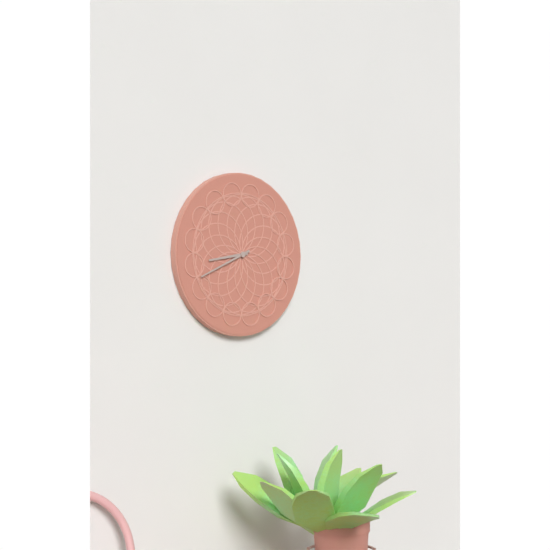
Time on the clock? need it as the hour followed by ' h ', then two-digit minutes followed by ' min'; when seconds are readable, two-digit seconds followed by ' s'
8 h 41 min
